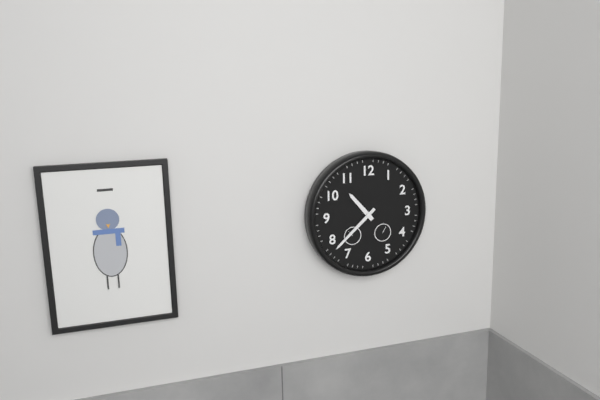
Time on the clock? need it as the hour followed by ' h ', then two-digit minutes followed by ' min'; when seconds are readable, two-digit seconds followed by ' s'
10 h 38 min
